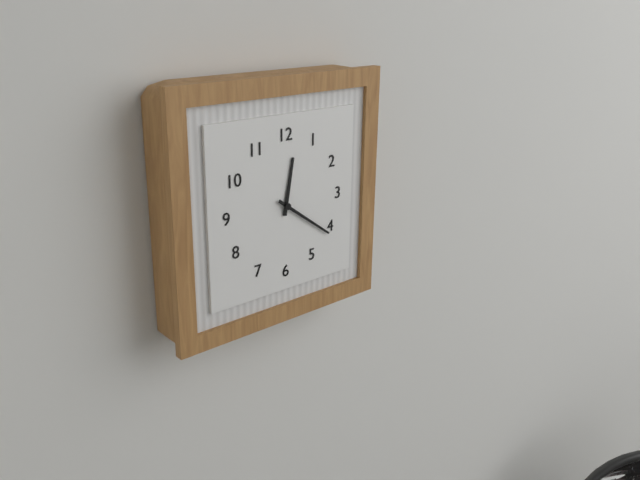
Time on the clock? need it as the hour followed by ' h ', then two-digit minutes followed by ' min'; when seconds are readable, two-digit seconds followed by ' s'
12 h 21 min
